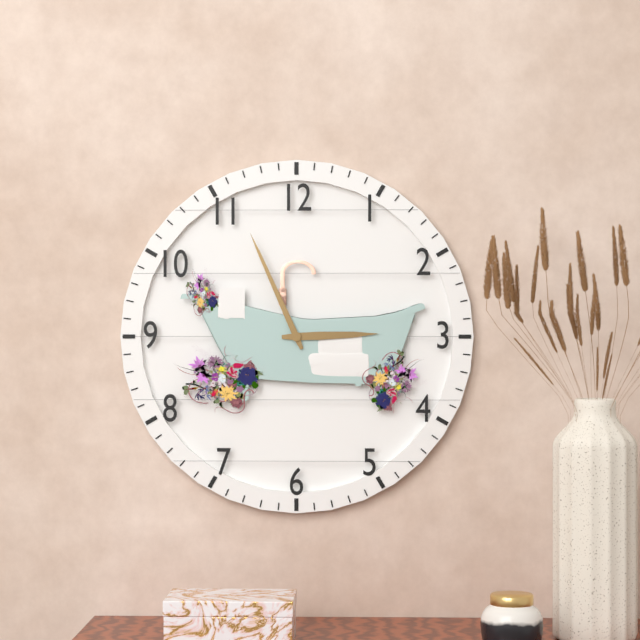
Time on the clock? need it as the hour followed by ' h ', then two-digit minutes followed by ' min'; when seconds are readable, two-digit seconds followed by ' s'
2 h 56 min
